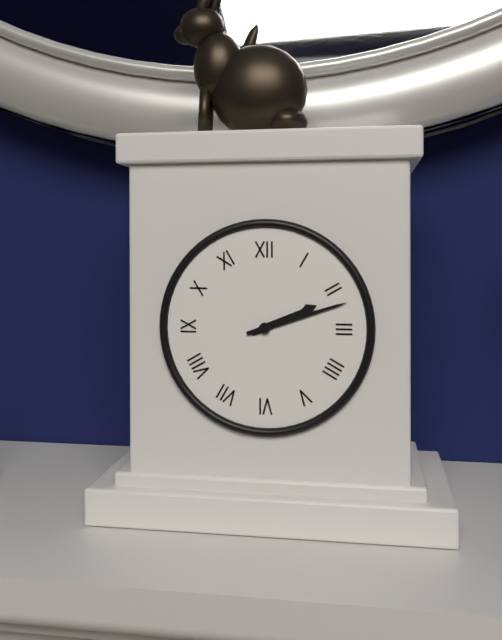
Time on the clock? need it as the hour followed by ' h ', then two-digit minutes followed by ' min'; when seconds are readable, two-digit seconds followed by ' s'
2 h 12 min
